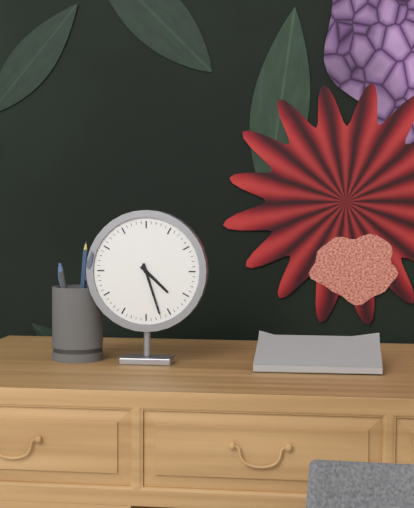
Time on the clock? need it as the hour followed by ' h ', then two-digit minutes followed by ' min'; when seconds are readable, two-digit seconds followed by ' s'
4 h 27 min
